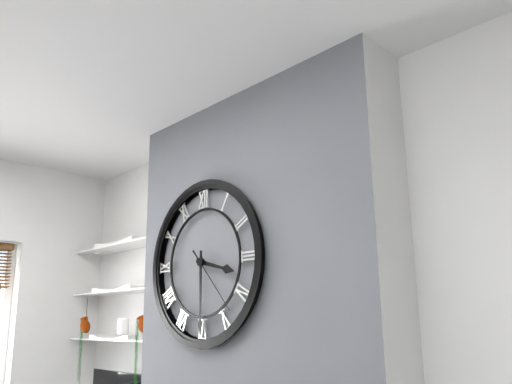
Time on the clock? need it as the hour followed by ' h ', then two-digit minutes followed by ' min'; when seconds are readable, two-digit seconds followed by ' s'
3 h 30 min 23 s
